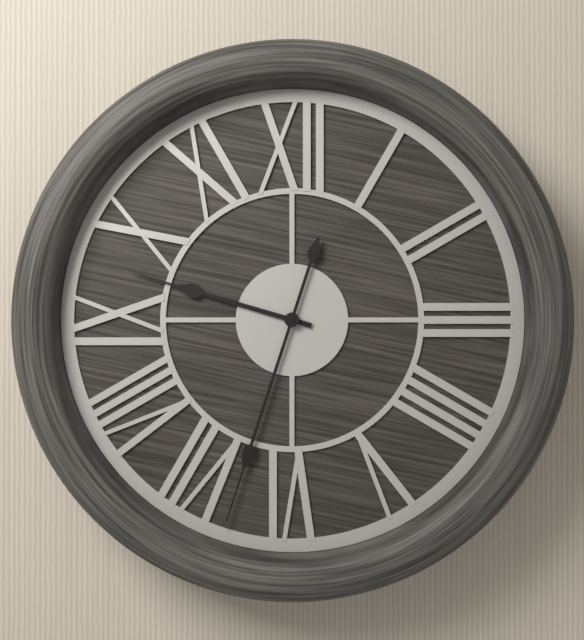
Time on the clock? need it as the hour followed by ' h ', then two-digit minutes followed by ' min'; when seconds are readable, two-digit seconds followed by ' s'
9 h 33 min
